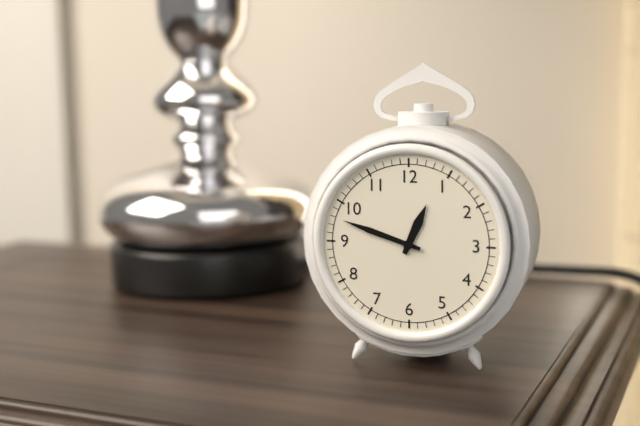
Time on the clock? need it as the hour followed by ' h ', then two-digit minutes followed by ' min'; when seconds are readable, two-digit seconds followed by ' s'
12 h 48 min
